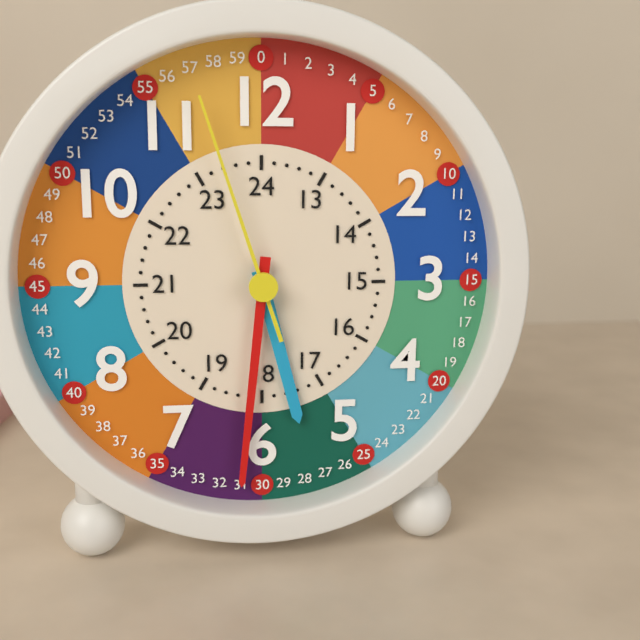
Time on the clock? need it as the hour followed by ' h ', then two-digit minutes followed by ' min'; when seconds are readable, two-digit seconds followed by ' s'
5 h 31 min 57 s
